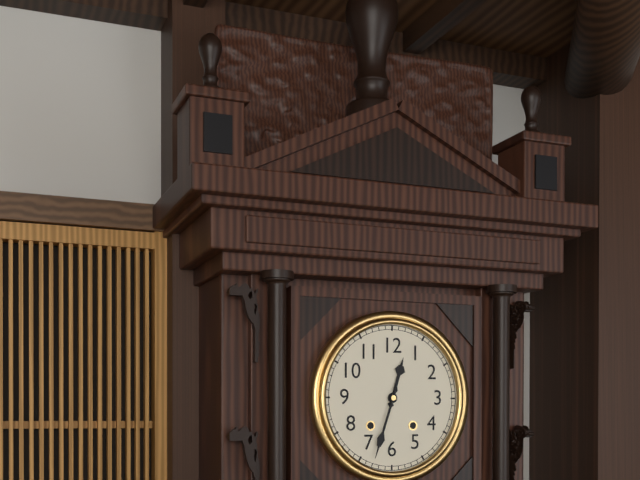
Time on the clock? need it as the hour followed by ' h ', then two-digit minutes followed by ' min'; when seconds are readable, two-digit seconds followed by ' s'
12 h 33 min
